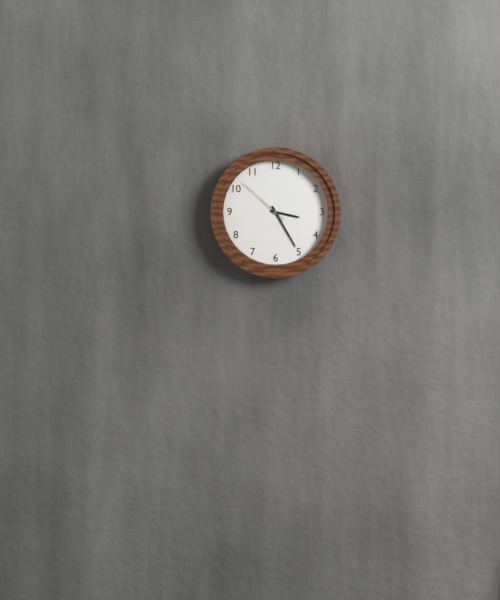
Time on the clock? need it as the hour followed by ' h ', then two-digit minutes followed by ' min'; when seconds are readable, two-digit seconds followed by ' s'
3 h 25 min 52 s
